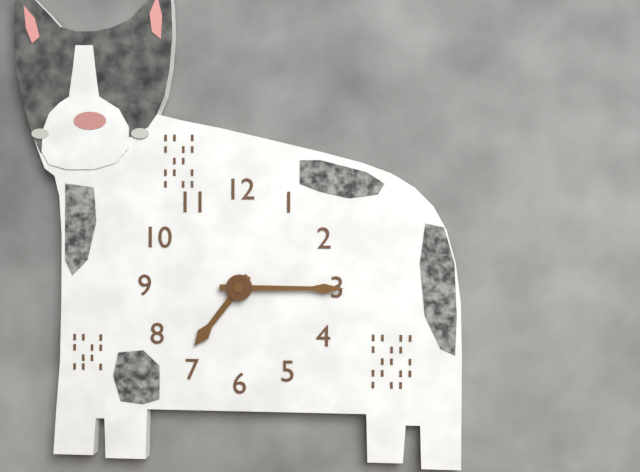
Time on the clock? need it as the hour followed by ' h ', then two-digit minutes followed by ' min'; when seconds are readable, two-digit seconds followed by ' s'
7 h 15 min
